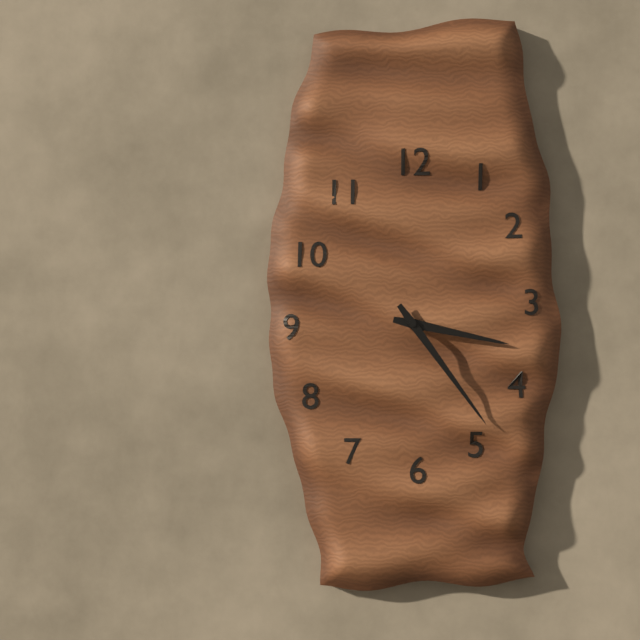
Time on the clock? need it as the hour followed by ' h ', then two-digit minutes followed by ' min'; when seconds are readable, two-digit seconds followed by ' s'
3 h 24 min
